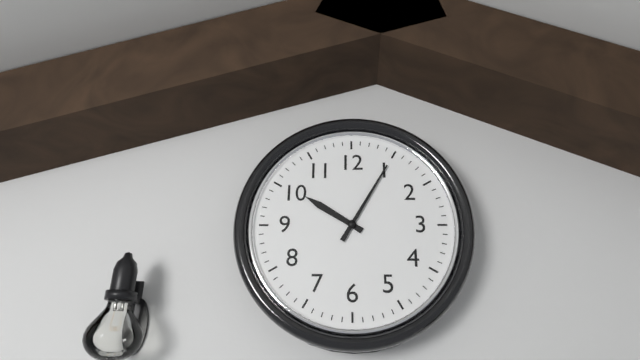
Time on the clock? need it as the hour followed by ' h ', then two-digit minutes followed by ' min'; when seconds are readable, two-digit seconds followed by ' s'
10 h 05 min
